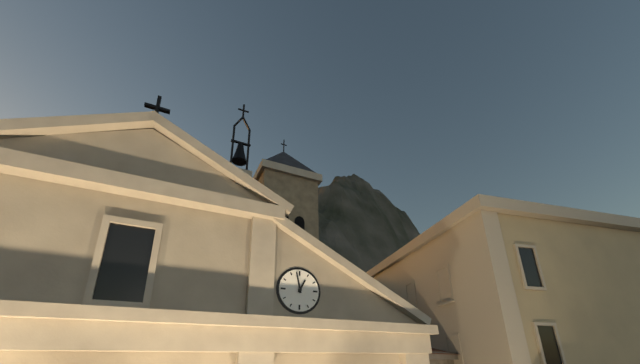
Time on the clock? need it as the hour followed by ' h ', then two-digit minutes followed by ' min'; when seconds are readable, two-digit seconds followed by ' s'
12 h 58 min
